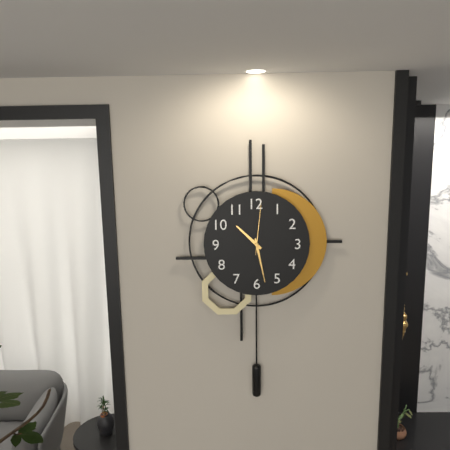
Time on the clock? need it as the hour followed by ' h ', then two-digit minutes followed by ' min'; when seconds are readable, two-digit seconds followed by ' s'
10 h 28 min 01 s
